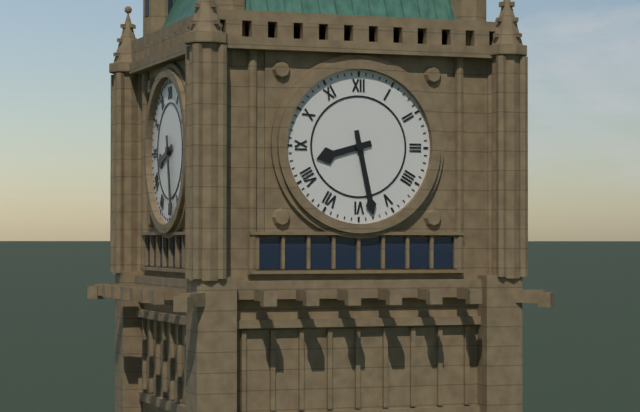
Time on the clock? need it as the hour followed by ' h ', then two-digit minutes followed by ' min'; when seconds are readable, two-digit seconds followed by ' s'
8 h 28 min
